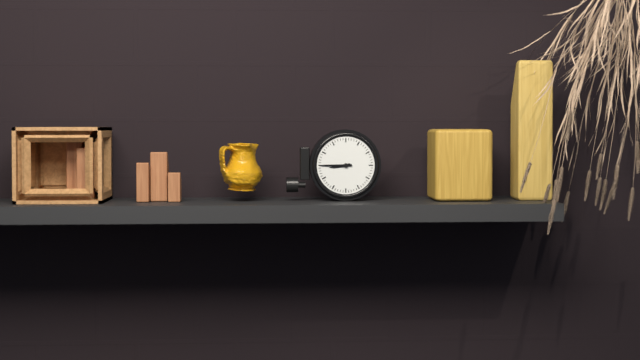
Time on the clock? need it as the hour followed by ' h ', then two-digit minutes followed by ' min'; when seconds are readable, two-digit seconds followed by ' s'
8 h 45 min
